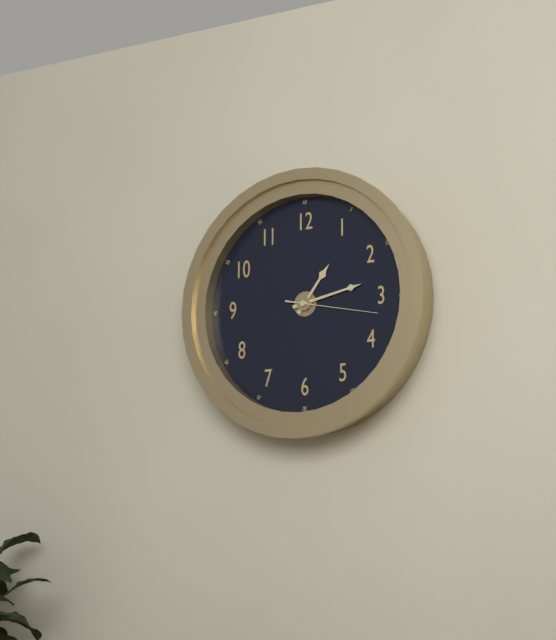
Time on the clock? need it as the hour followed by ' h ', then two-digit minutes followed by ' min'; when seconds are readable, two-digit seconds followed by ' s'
1 h 13 min 17 s
